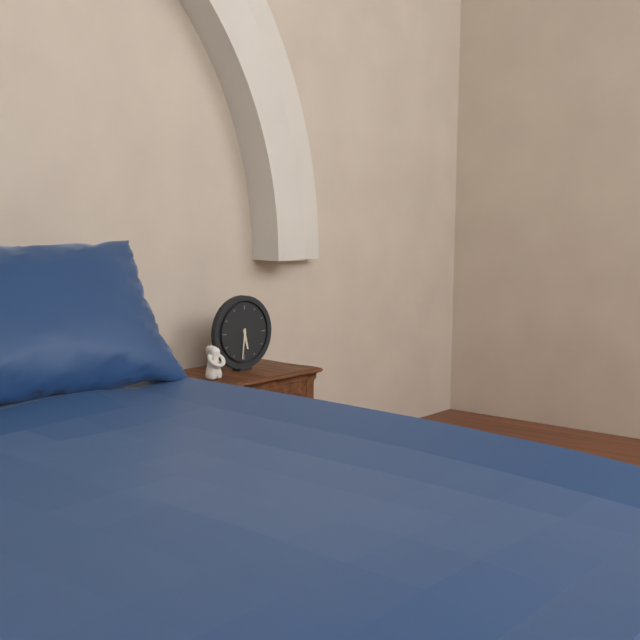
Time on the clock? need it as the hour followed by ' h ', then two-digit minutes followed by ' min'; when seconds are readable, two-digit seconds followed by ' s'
5 h 31 min
